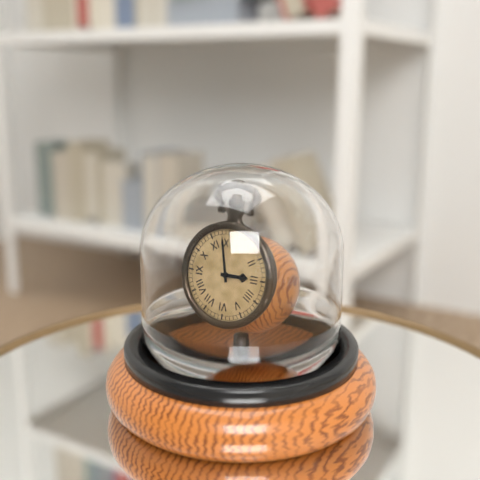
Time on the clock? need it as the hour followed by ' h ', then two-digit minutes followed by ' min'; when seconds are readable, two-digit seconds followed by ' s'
2 h 58 min
